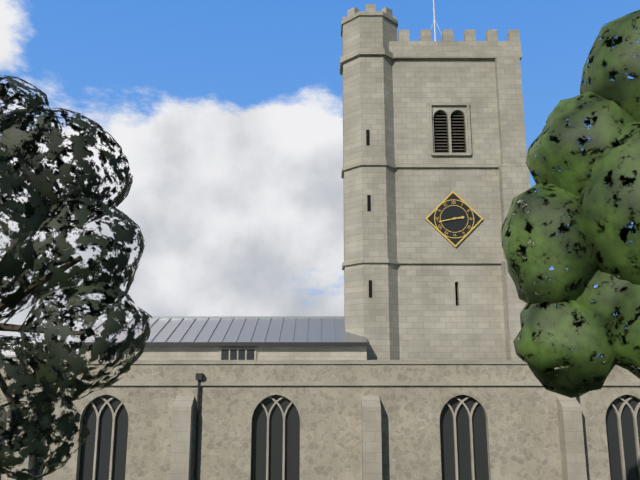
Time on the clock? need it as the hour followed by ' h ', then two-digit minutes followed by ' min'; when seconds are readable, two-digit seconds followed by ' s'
2 h 43 min
